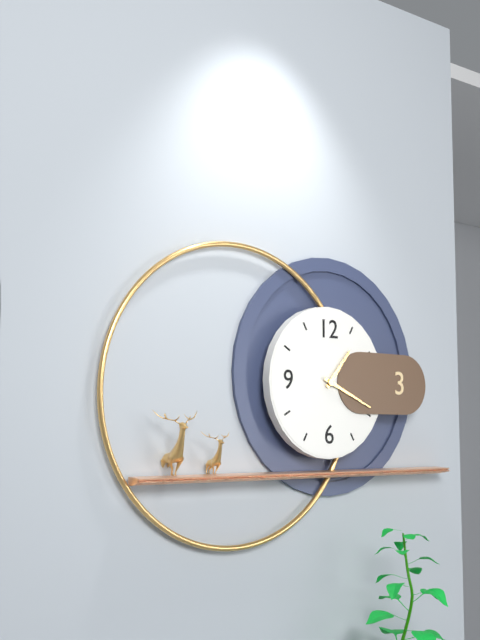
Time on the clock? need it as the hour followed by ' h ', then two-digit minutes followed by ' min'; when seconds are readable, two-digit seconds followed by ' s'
1 h 19 min
